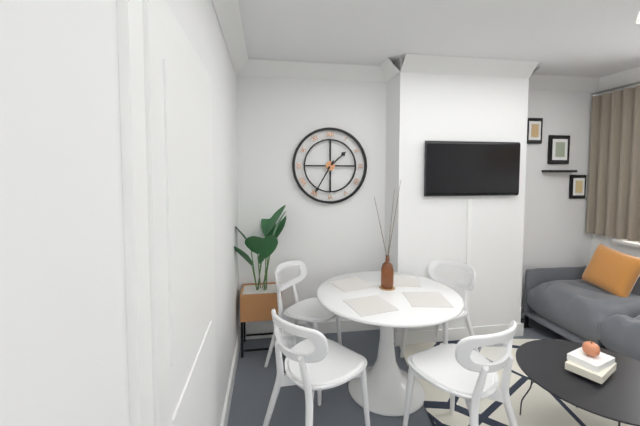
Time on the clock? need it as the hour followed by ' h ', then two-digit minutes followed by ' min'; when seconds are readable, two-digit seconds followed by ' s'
1 h 35 min
